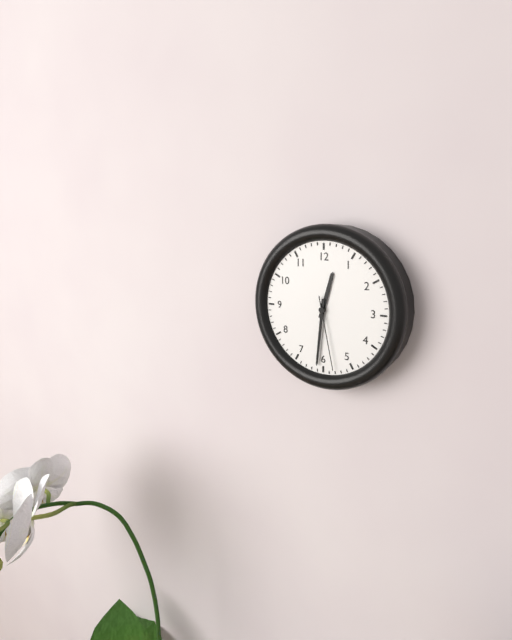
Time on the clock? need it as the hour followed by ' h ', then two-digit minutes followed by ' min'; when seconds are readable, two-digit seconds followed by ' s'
12 h 31 min 28 s
